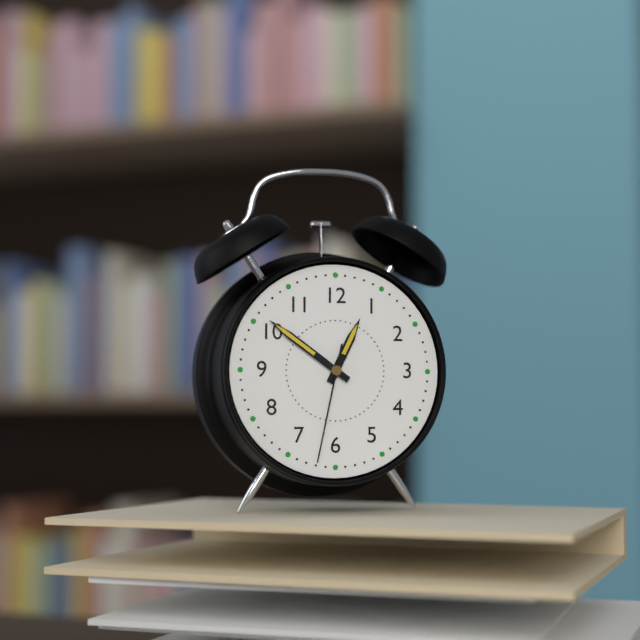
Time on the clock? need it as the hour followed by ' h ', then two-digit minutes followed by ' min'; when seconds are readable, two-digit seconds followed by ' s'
12 h 51 min 32 s
